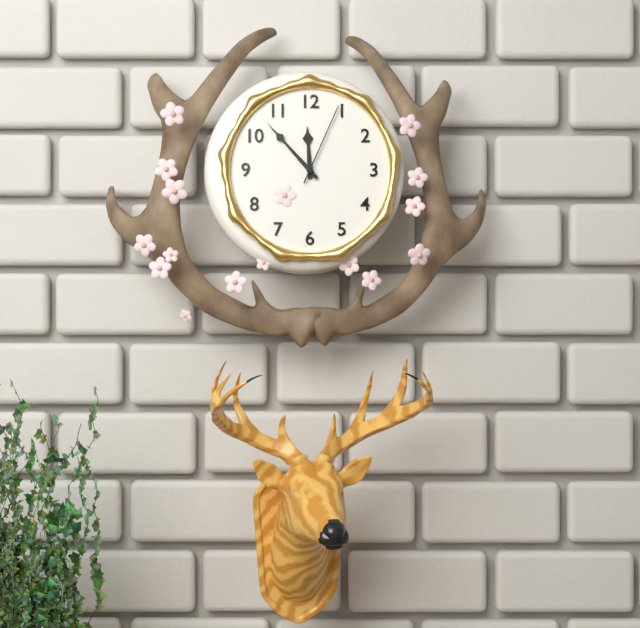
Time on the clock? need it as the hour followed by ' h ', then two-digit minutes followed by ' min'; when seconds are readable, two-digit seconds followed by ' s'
11 h 53 min 04 s
